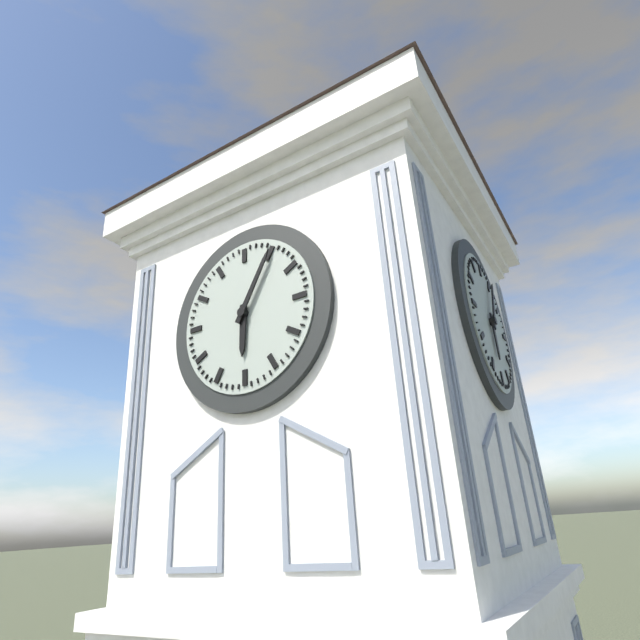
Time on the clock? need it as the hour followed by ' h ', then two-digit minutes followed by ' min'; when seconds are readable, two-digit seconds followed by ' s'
6 h 05 min
